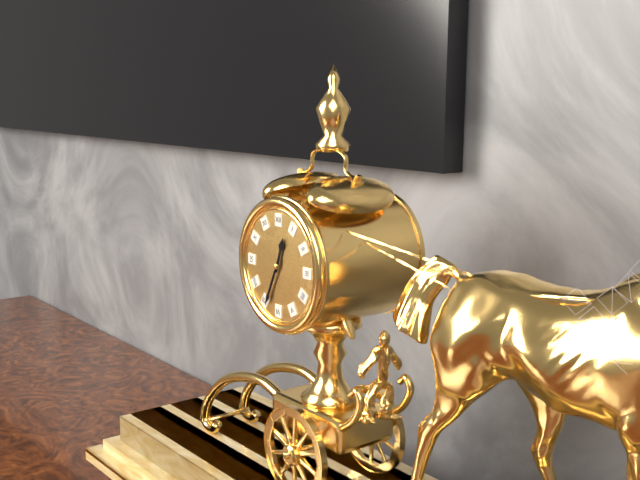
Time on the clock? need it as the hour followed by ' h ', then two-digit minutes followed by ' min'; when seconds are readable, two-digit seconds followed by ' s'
12 h 34 min
